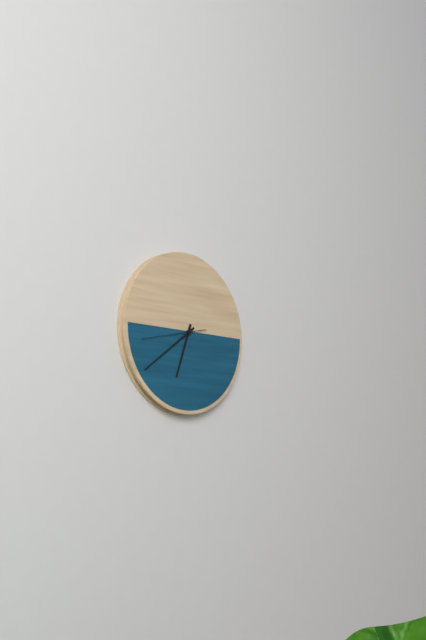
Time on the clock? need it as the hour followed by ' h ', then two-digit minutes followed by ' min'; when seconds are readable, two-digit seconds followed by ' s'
6 h 39 min 43 s
